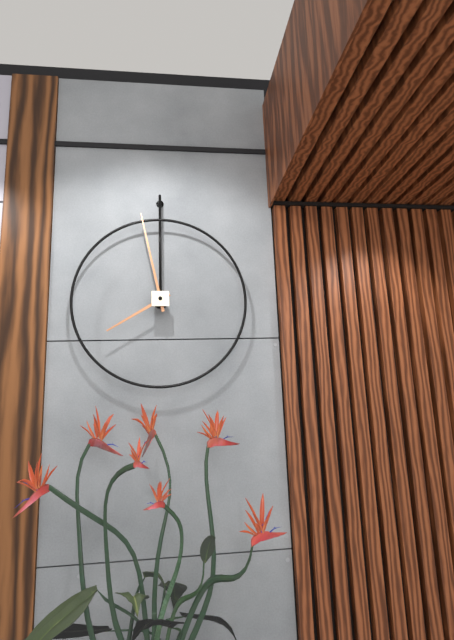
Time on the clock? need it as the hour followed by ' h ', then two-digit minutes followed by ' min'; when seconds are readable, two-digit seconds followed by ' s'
7 h 58 min
